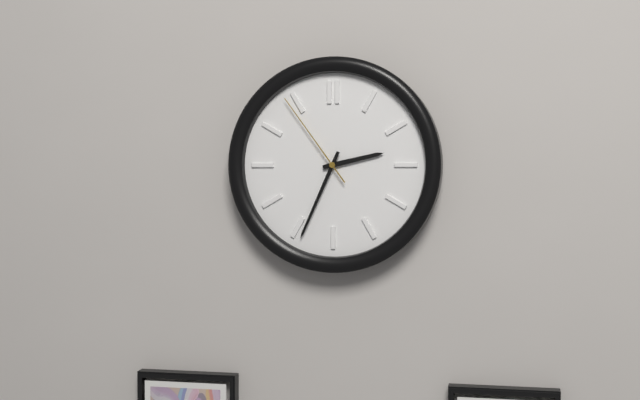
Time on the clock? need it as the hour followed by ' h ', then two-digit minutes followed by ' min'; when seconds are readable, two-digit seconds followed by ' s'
2 h 34 min 54 s
